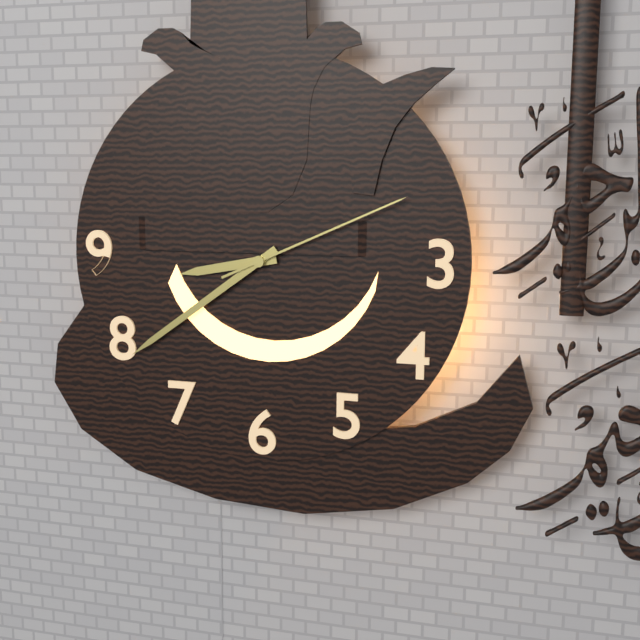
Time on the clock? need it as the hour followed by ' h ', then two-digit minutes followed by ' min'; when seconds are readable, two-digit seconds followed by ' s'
8 h 39 min 11 s
